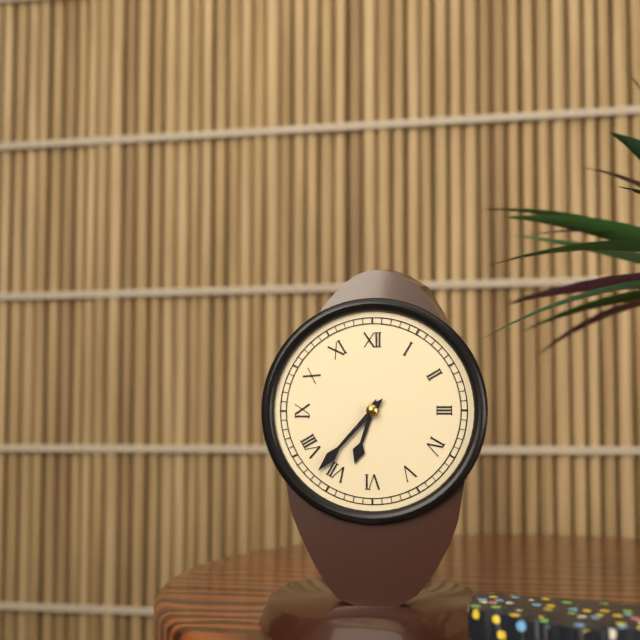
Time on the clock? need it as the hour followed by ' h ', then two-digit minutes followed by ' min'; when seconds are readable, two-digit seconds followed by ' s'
6 h 37 min
